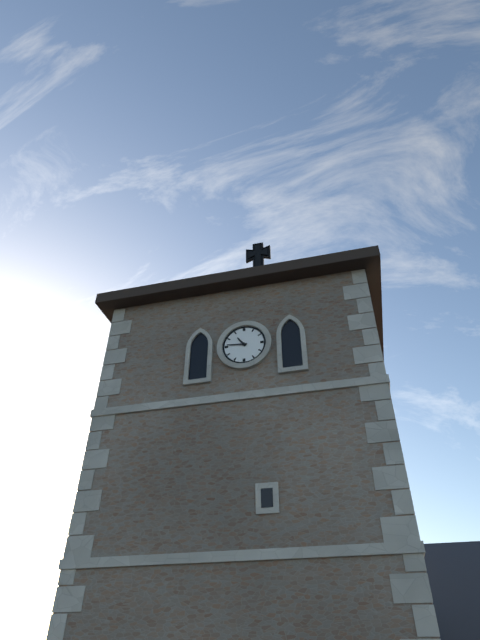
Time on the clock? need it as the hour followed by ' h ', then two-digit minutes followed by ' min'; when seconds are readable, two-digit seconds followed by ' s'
10 h 46 min
